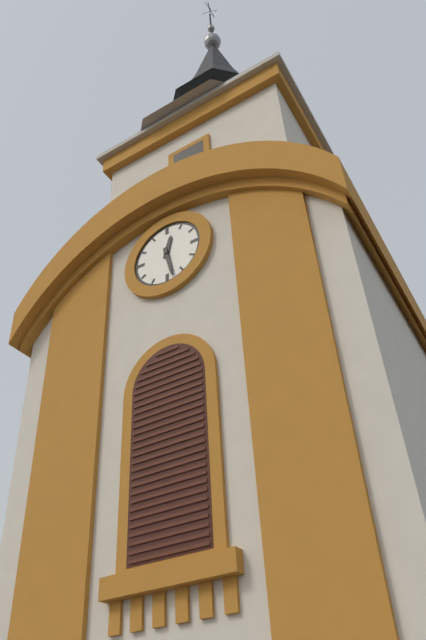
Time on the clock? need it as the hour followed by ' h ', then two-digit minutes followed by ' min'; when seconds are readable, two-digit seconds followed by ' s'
12 h 28 min
